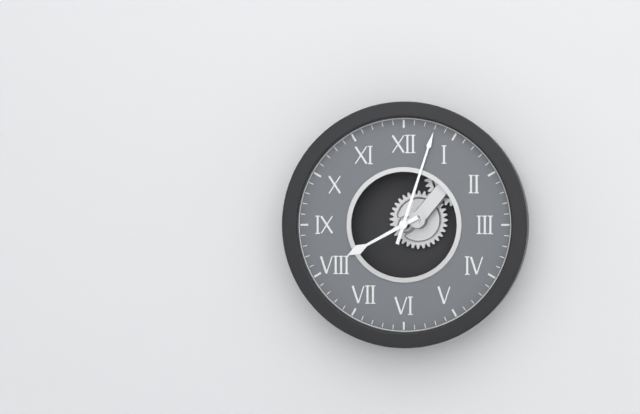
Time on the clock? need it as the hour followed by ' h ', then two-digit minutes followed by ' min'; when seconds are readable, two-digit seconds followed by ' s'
8 h 03 min
